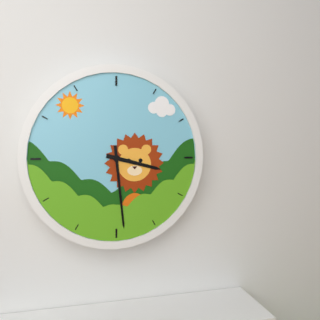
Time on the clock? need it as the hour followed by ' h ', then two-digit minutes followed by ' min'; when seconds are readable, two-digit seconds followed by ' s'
3 h 29 min
